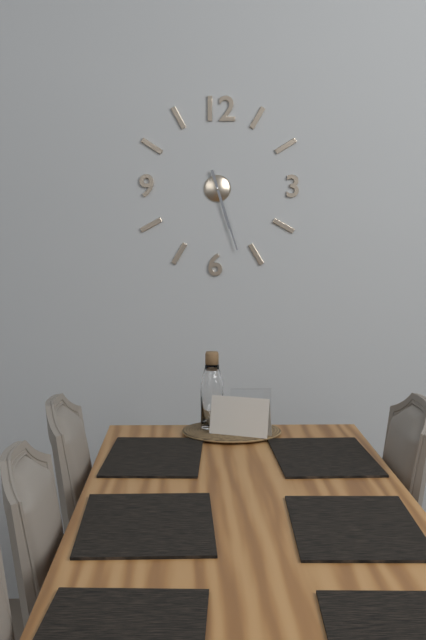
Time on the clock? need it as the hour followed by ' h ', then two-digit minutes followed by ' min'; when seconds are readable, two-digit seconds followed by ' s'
5 h 27 min
